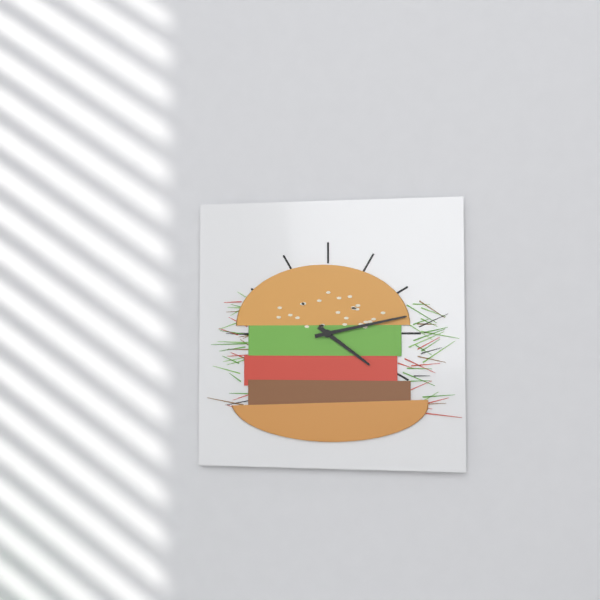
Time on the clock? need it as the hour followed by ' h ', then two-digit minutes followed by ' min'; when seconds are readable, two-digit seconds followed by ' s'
4 h 13 min
